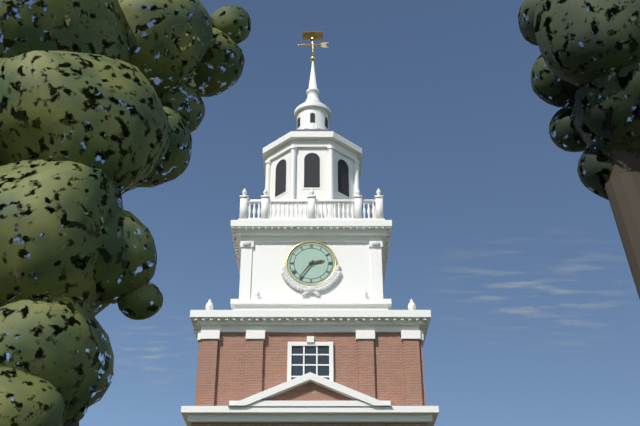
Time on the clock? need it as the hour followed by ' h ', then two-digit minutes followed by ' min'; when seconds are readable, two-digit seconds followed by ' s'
2 h 36 min
